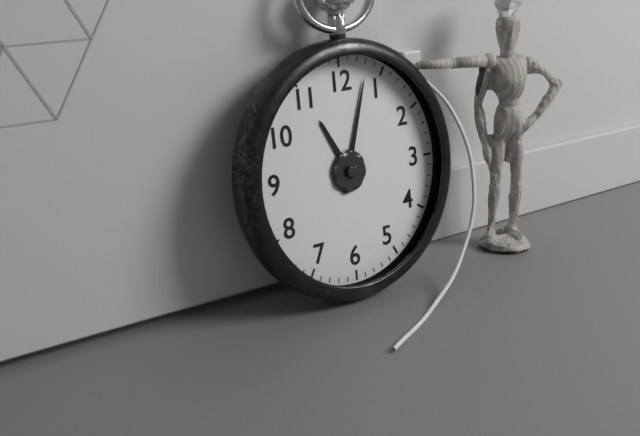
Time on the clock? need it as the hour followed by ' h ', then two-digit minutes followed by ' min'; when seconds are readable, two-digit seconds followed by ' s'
11 h 03 min
